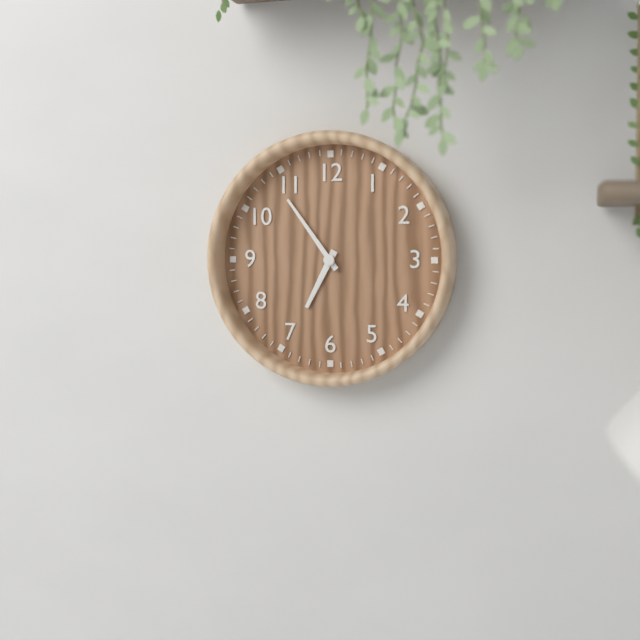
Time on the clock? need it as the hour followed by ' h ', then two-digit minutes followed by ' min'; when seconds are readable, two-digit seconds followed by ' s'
6 h 54 min
